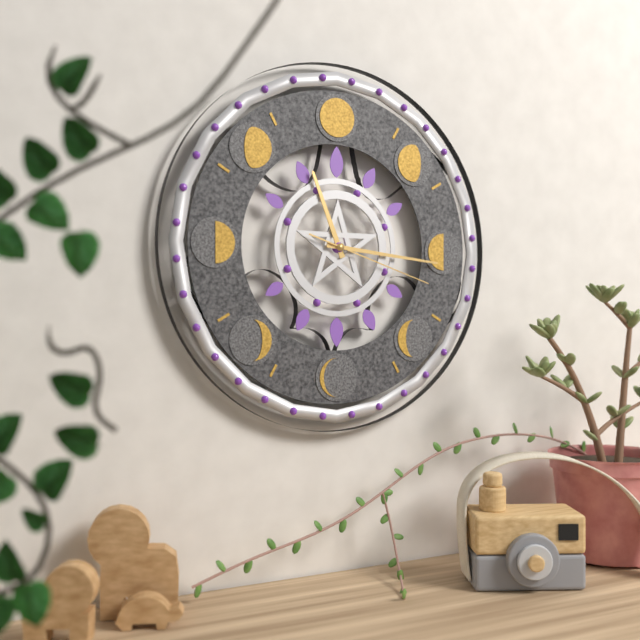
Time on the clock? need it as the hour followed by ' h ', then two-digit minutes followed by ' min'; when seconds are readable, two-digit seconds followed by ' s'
11 h 16 min 18 s
